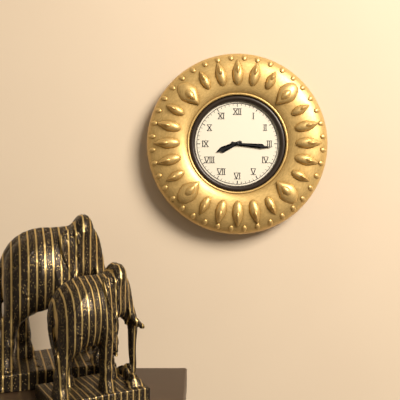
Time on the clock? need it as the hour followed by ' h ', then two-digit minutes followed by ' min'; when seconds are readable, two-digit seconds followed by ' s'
8 h 16 min
